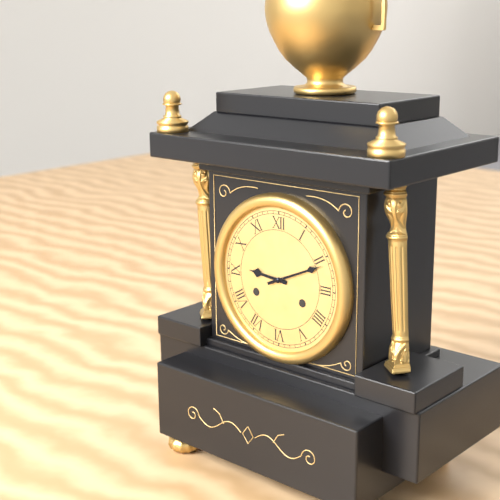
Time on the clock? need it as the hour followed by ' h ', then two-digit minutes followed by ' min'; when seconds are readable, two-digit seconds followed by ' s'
9 h 11 min
